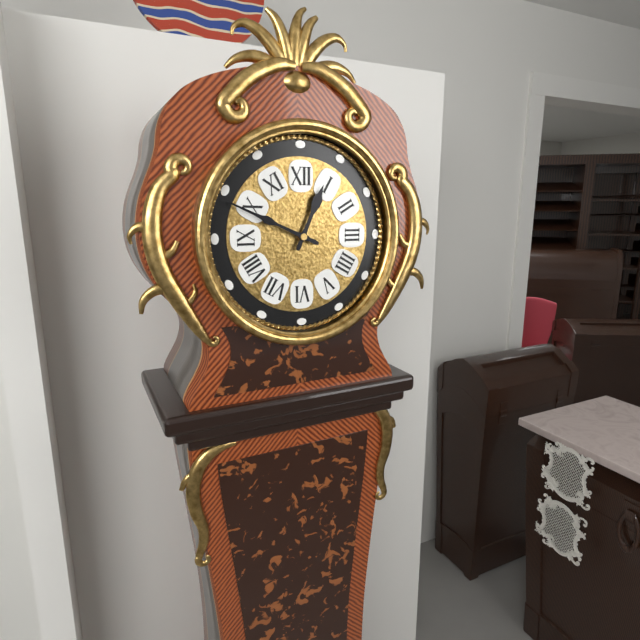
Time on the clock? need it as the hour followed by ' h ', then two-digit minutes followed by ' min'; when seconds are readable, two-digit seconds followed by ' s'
12 h 49 min
